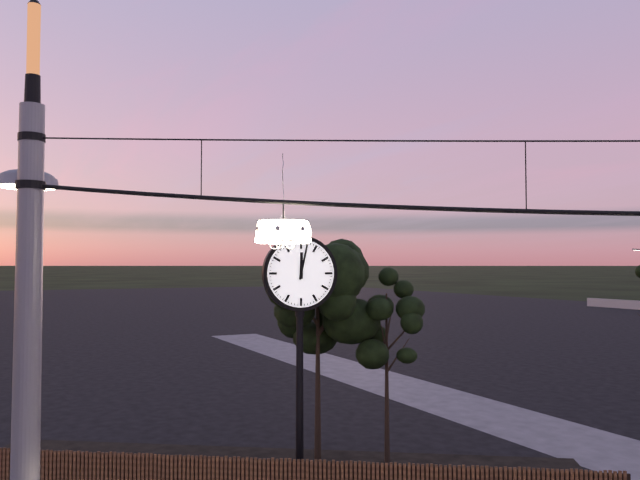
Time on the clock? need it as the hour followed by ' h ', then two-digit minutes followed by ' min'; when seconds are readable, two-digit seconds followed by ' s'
12 h 02 min
